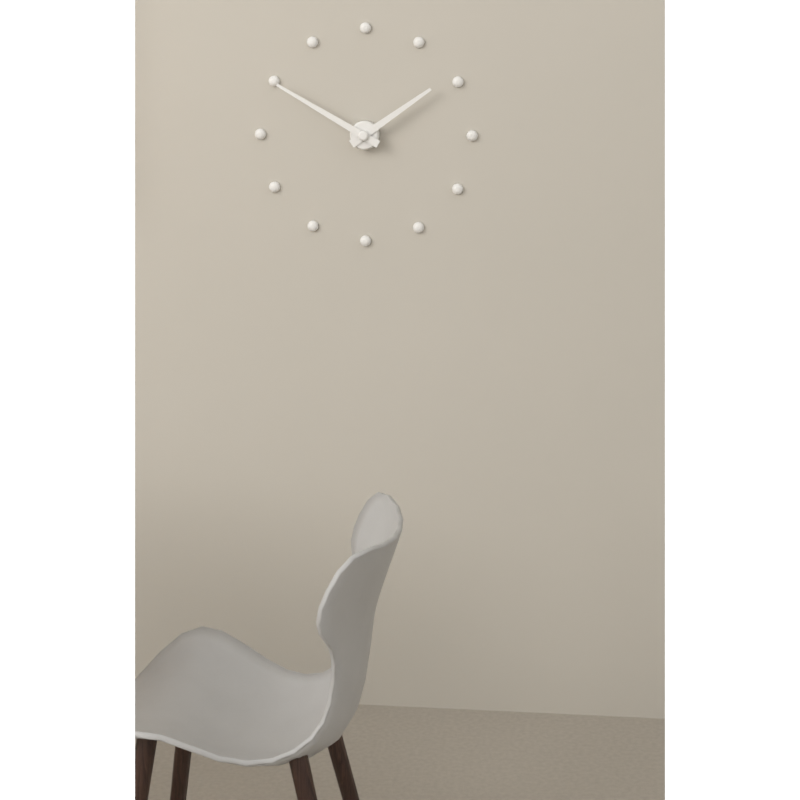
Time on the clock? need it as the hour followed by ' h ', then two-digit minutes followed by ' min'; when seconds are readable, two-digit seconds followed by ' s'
1 h 50 min
